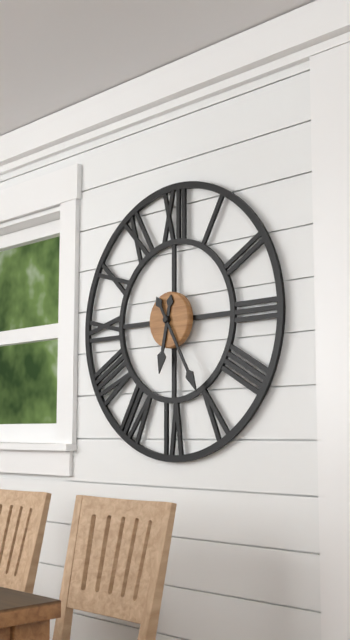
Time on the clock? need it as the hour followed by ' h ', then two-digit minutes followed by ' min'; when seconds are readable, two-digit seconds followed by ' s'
6 h 25 min
